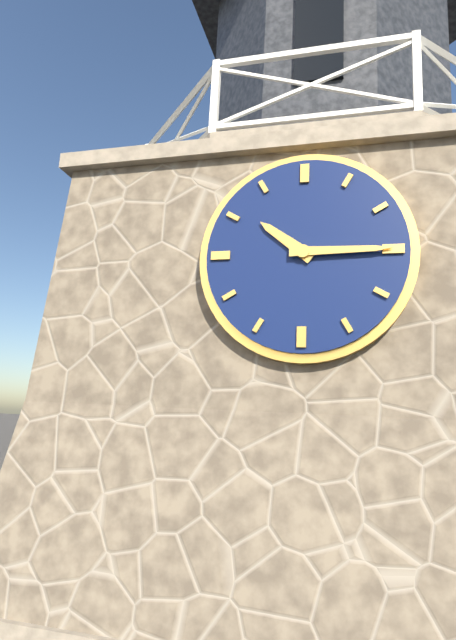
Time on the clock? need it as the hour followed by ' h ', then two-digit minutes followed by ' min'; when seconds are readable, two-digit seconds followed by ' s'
10 h 15 min
